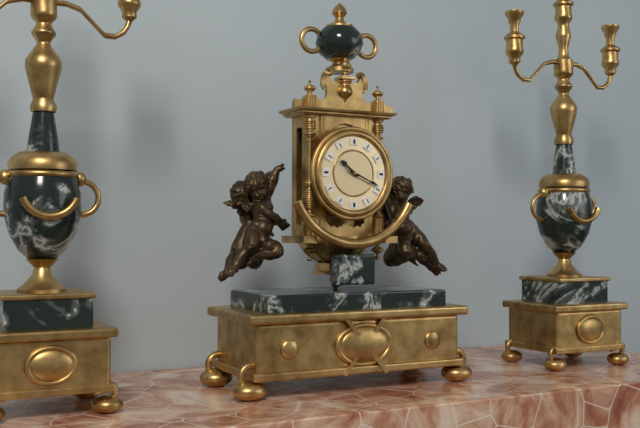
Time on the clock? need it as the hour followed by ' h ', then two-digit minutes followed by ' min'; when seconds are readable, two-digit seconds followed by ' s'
10 h 19 min
